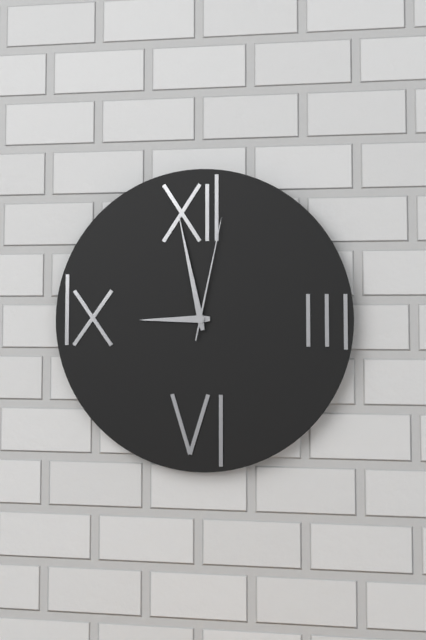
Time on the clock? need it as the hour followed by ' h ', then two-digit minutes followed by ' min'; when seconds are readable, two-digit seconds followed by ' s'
8 h 58 min 02 s
